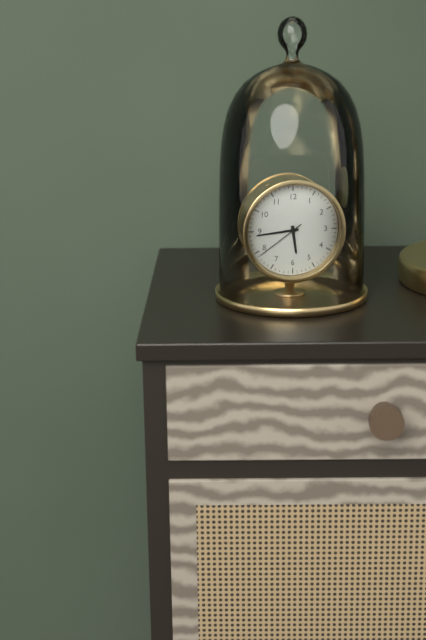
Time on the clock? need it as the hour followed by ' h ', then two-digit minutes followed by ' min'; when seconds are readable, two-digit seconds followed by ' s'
5 h 44 min 39 s
